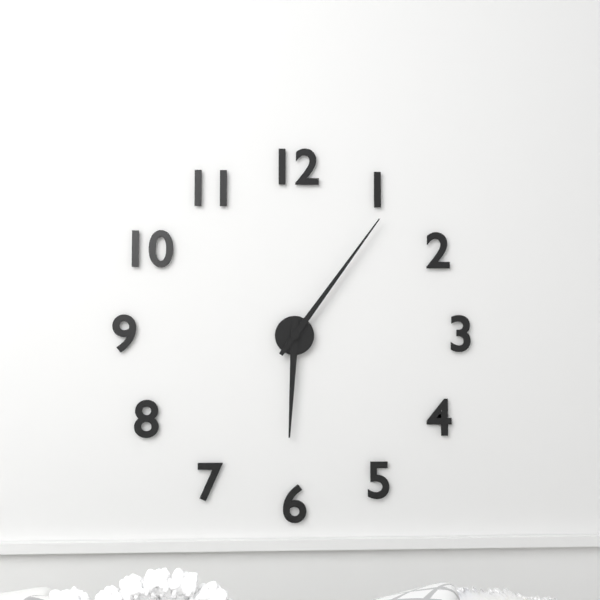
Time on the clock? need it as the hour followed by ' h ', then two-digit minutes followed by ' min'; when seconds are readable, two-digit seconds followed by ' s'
6 h 06 min
